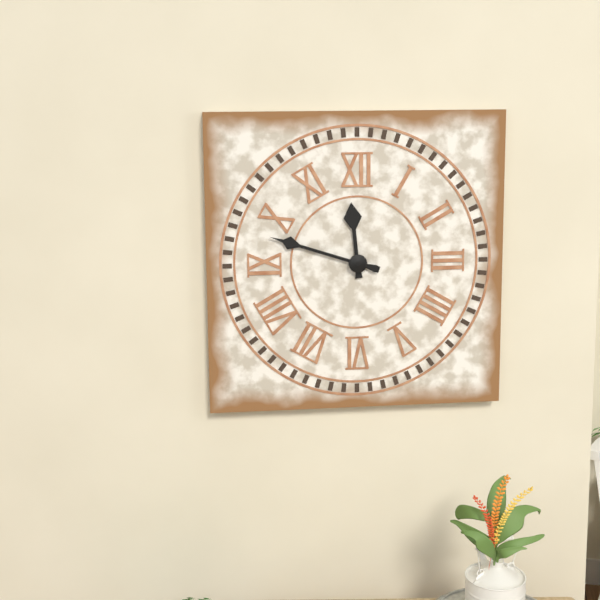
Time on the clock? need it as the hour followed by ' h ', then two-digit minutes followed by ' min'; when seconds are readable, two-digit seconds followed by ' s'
11 h 48 min
